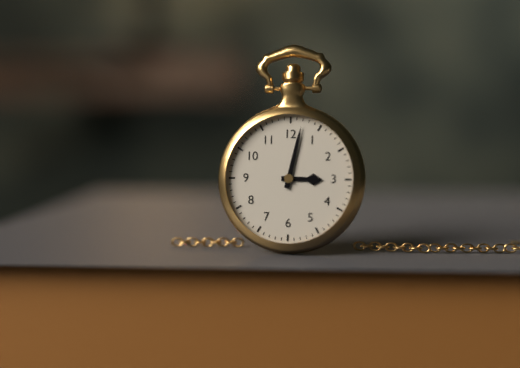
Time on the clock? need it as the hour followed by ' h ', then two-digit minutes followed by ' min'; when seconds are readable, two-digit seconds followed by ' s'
3 h 02 min
